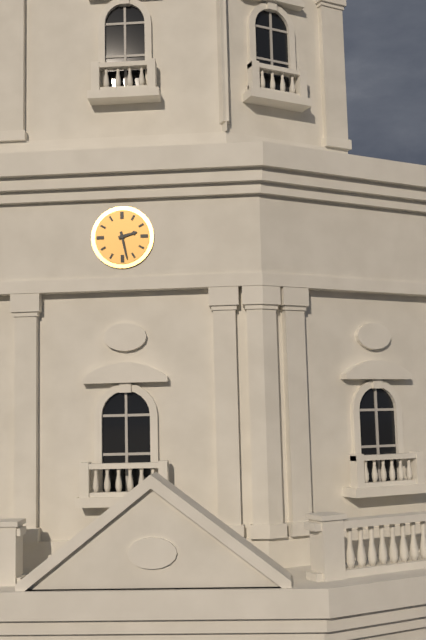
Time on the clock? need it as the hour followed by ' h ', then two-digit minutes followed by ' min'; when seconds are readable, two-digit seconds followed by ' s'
2 h 28 min
